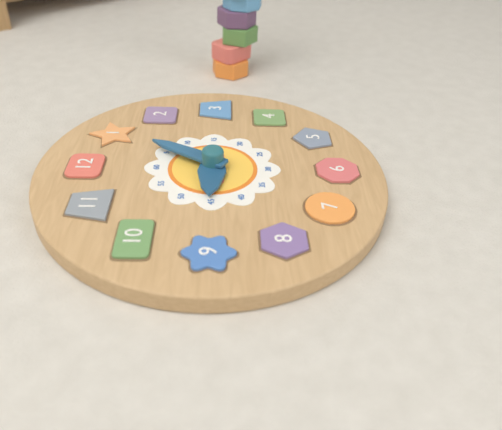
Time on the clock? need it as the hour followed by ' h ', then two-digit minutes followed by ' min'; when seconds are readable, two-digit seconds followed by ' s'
9 h 05 min
